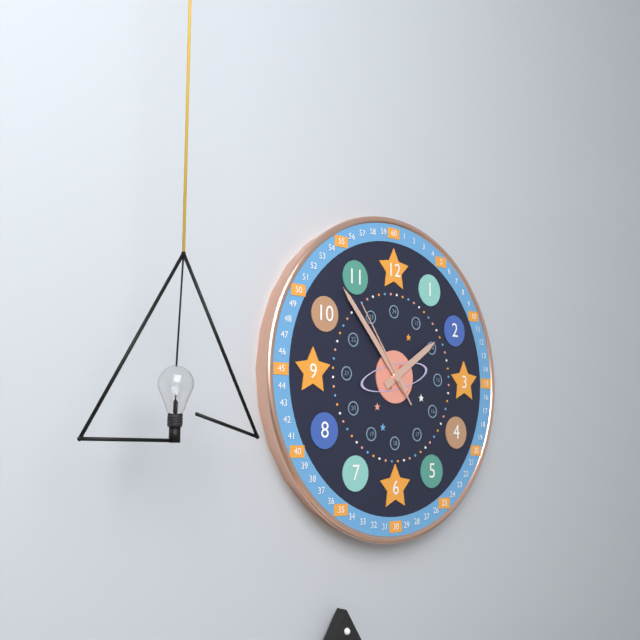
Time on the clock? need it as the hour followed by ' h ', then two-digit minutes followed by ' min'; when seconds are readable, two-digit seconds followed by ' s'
1 h 53 min 54 s
